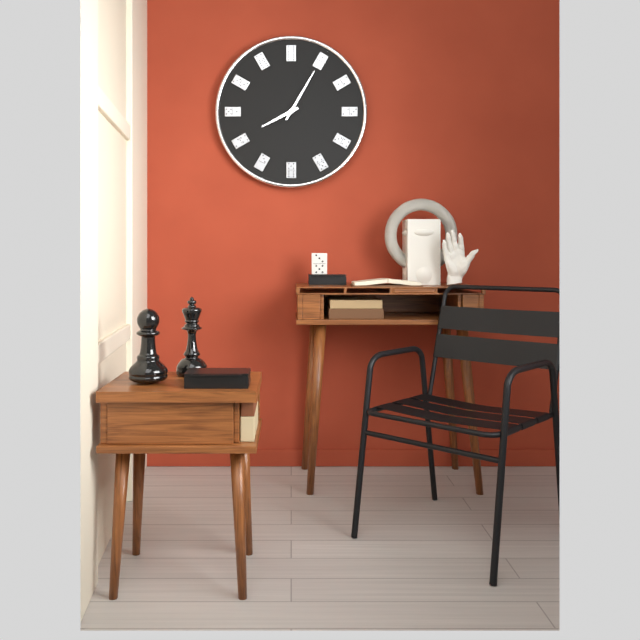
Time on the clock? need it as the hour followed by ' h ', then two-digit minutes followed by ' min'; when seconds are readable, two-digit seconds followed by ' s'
8 h 05 min
